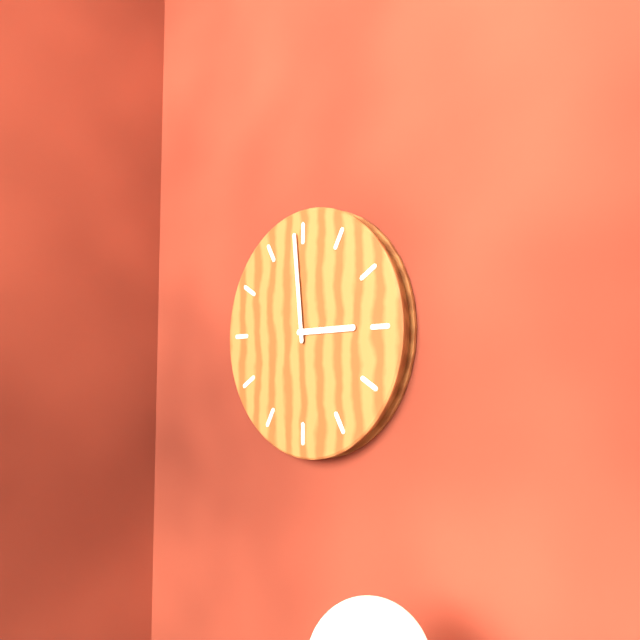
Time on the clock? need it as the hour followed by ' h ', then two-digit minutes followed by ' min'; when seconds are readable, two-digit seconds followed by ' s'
2 h 59 min
